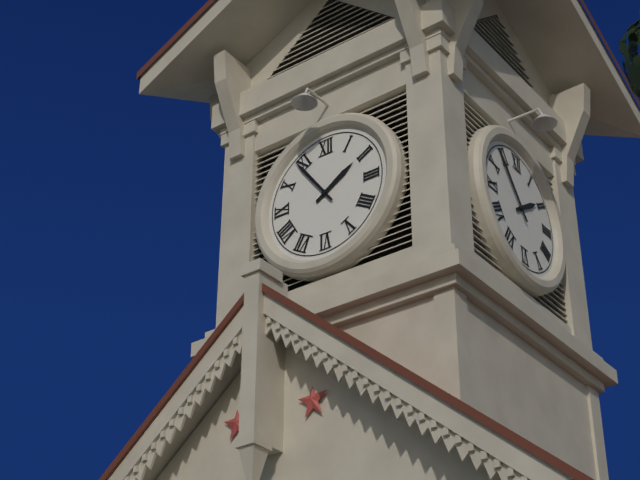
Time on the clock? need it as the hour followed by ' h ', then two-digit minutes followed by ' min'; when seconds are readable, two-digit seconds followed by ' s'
1 h 54 min
